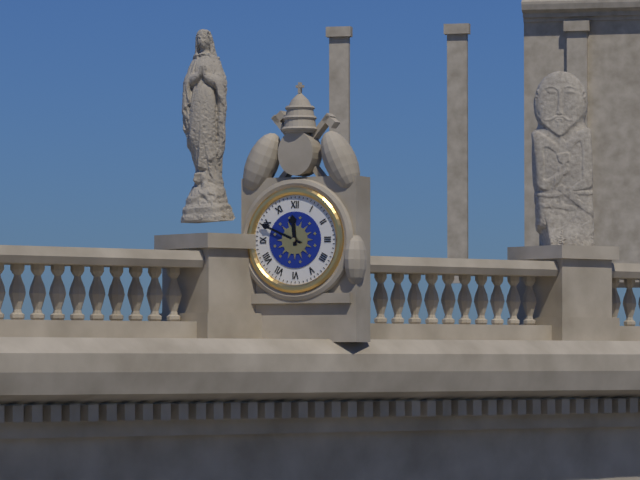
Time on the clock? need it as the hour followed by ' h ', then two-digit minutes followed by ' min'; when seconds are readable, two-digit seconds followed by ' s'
11 h 49 min
